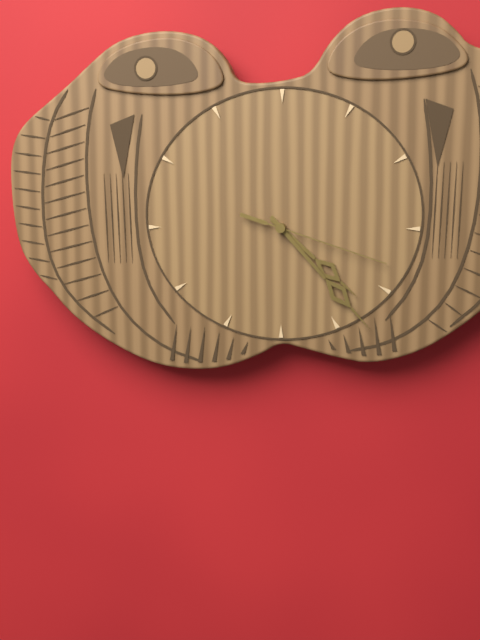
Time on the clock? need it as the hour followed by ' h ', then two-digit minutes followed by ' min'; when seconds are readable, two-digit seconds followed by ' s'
4 h 23 min 18 s
